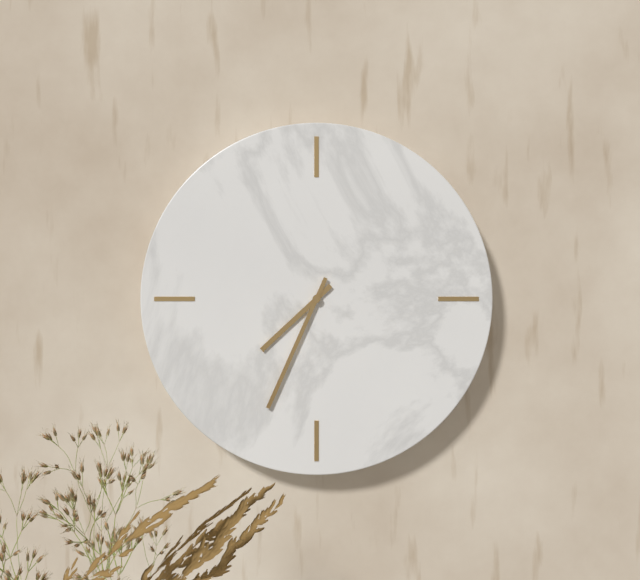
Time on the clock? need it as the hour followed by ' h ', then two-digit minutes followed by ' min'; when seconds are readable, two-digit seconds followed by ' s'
7 h 34 min
